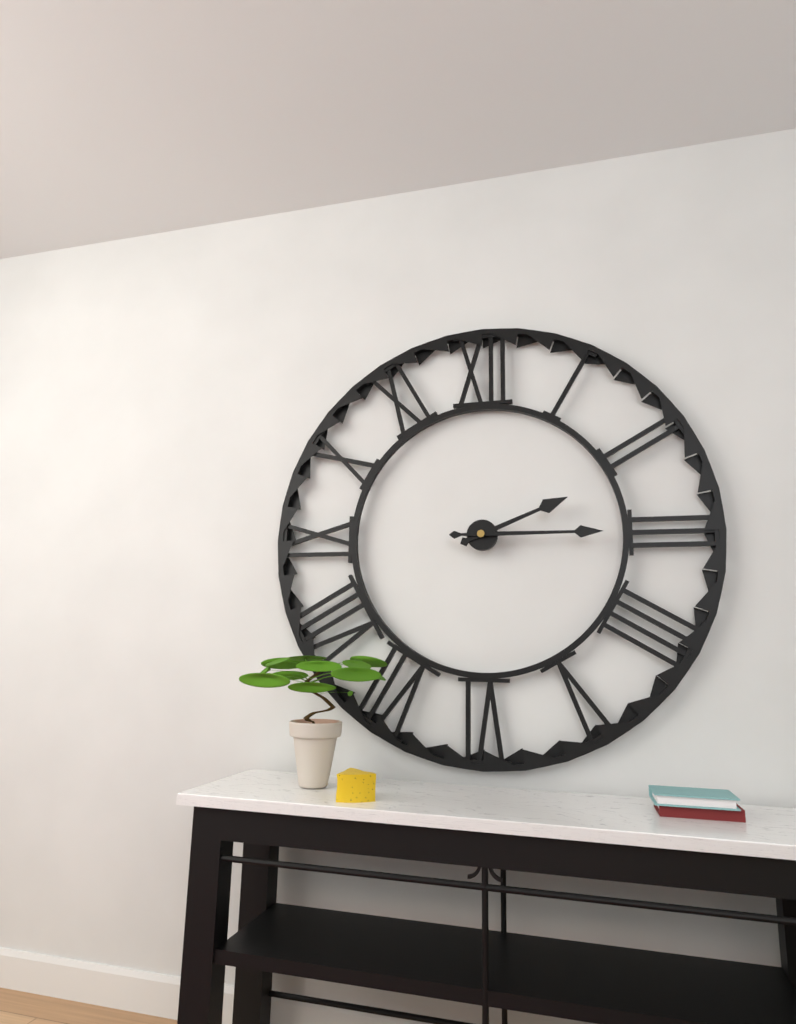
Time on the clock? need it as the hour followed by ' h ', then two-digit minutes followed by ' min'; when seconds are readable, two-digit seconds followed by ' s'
2 h 15 min
